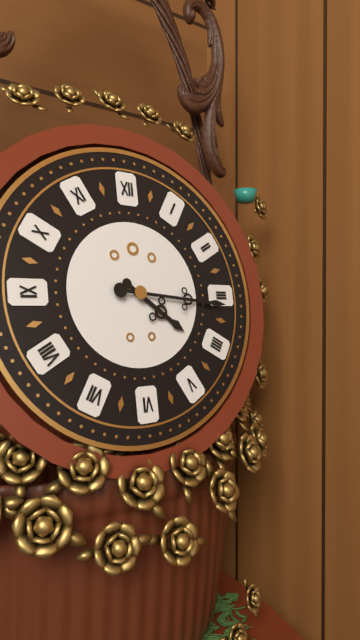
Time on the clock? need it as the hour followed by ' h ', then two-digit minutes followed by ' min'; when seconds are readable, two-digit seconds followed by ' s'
4 h 16 min
